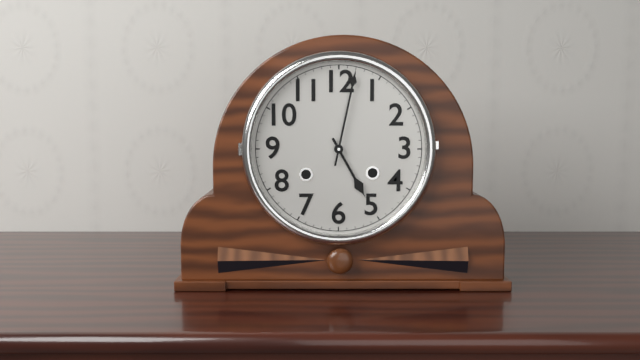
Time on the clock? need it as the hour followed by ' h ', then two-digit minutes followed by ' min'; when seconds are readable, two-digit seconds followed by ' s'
5 h 02 min
